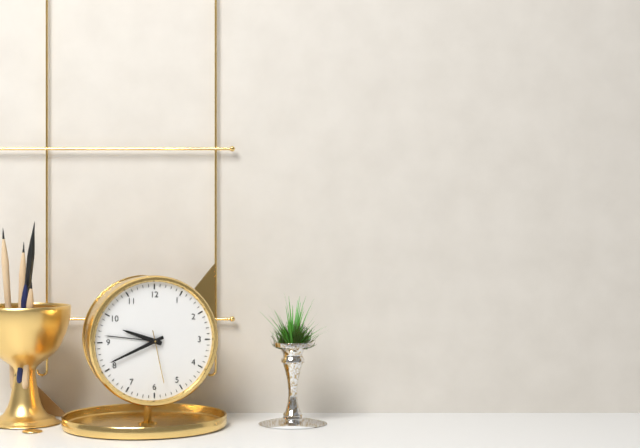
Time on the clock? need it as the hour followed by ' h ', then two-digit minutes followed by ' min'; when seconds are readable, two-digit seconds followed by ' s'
9 h 41 min 28 s
